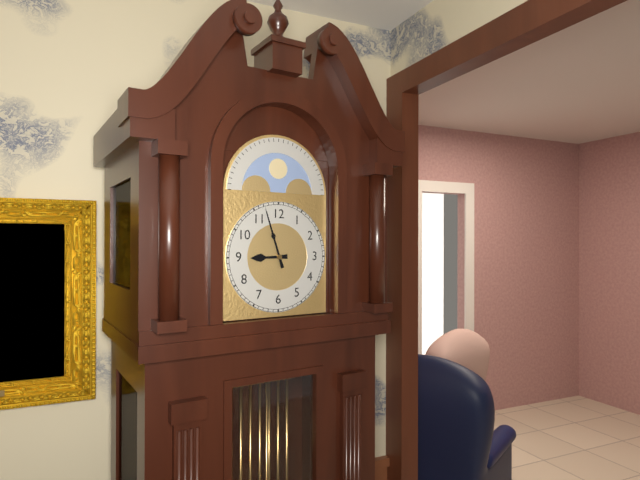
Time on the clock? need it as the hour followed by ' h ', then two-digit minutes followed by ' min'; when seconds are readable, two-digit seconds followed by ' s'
8 h 57 min
